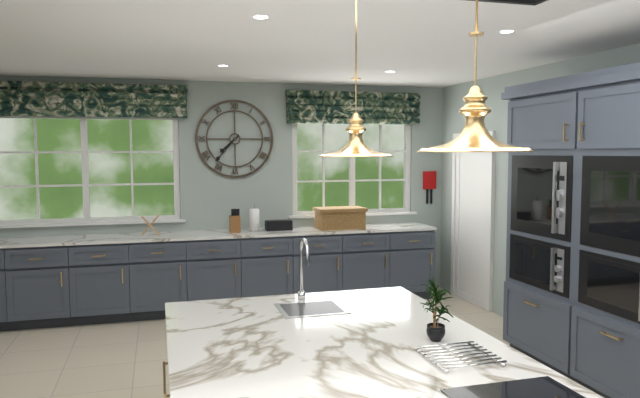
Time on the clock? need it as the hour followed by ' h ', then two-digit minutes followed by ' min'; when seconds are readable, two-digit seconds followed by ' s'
7 h 37 min
